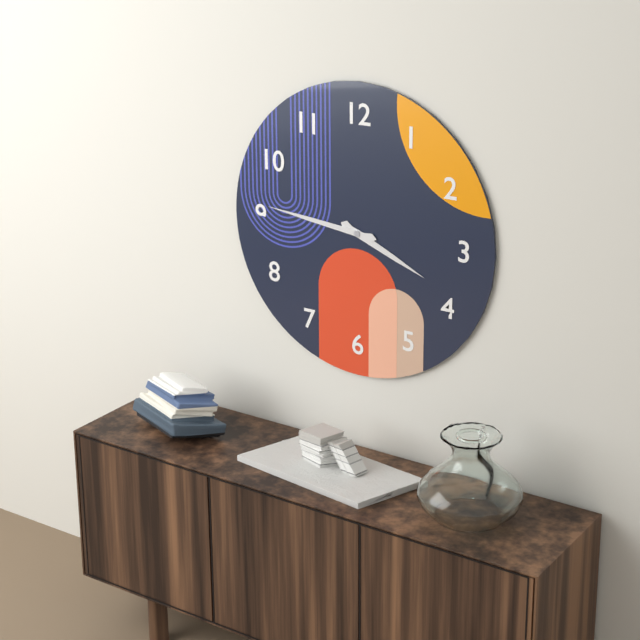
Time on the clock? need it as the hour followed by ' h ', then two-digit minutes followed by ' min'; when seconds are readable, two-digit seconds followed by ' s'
3 h 46 min
